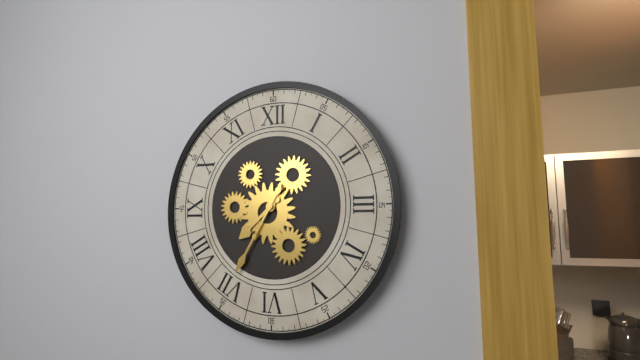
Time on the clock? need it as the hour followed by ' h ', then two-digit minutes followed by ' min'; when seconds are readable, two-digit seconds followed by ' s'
7 h 35 min
